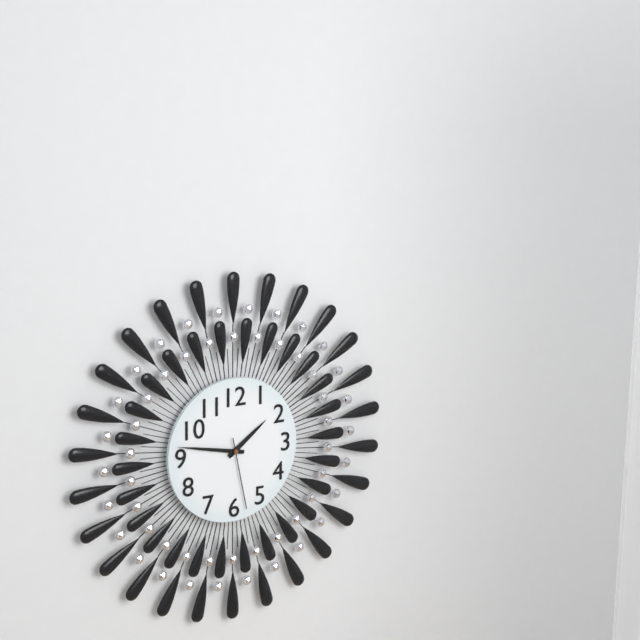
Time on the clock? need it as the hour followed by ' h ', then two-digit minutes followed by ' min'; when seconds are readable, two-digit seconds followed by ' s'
1 h 47 min 28 s
